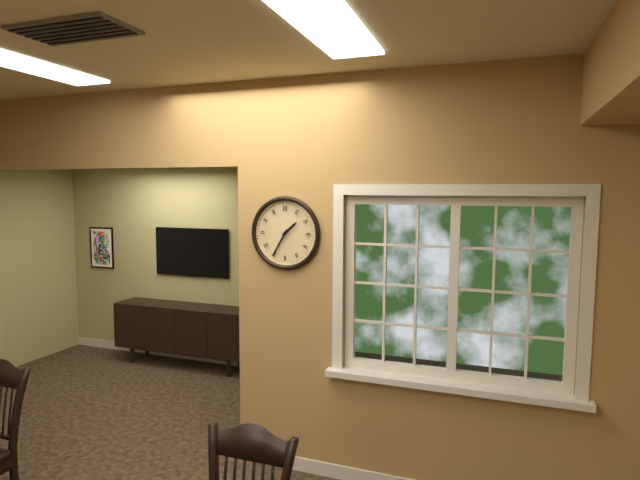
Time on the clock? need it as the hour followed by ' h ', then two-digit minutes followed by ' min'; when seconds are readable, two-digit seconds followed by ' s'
1 h 35 min
